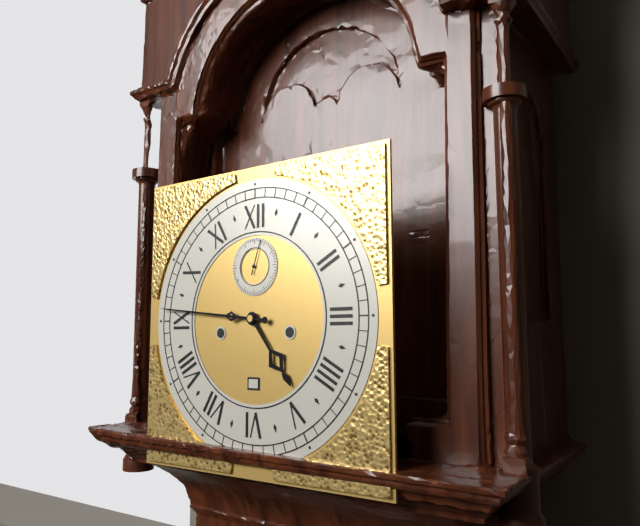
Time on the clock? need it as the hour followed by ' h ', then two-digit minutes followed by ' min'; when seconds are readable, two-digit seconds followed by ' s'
4 h 46 min
